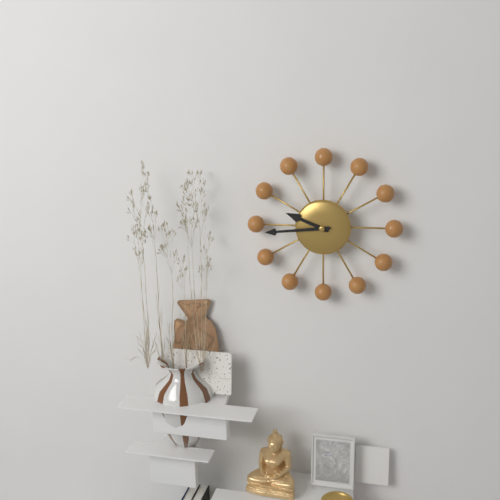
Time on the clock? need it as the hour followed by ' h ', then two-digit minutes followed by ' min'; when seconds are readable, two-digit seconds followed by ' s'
9 h 44 min
